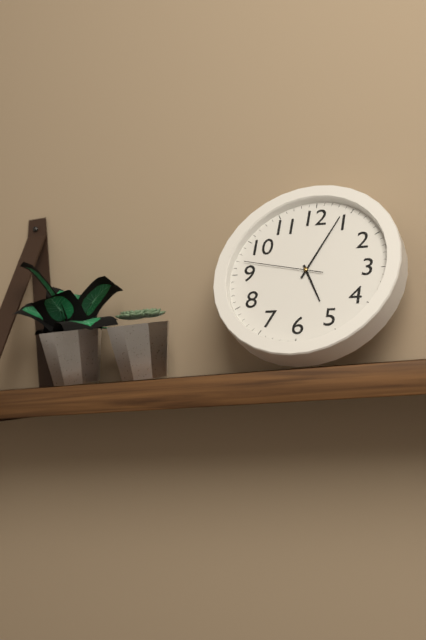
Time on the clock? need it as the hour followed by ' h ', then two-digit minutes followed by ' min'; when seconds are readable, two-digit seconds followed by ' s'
5 h 04 min 47 s
